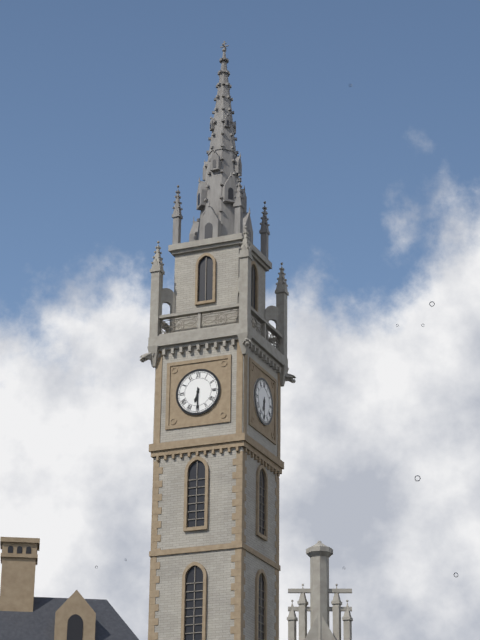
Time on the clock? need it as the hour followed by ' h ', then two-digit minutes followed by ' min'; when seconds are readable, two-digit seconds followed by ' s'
6 h 30 min
